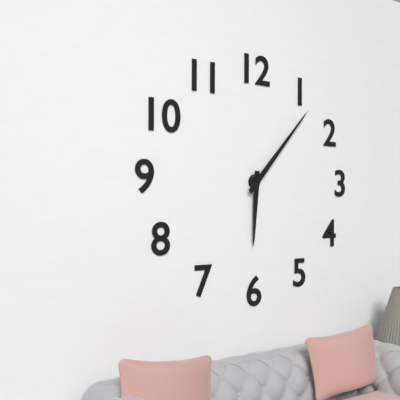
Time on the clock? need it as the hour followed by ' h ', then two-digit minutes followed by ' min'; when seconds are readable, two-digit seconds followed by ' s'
6 h 07 min
